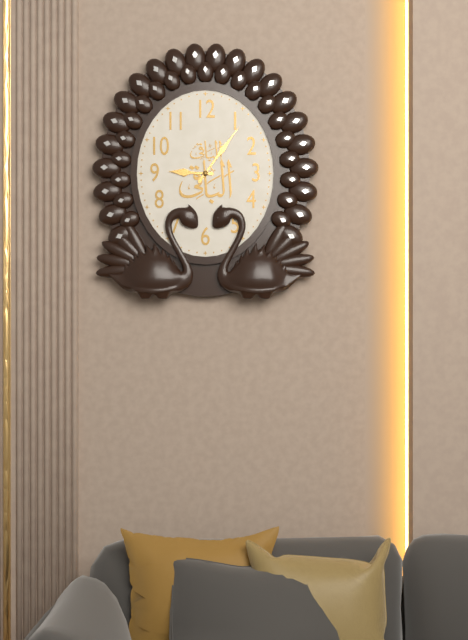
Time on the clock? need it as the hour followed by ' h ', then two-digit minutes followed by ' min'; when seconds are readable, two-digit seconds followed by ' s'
9 h 06 min
